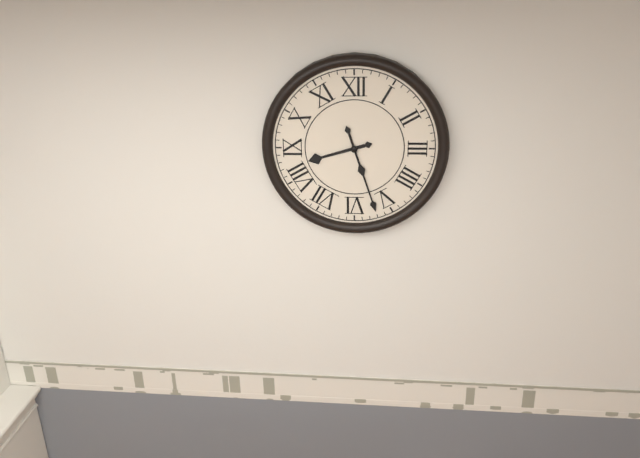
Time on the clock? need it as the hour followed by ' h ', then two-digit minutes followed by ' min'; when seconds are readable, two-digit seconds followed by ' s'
8 h 27 min
